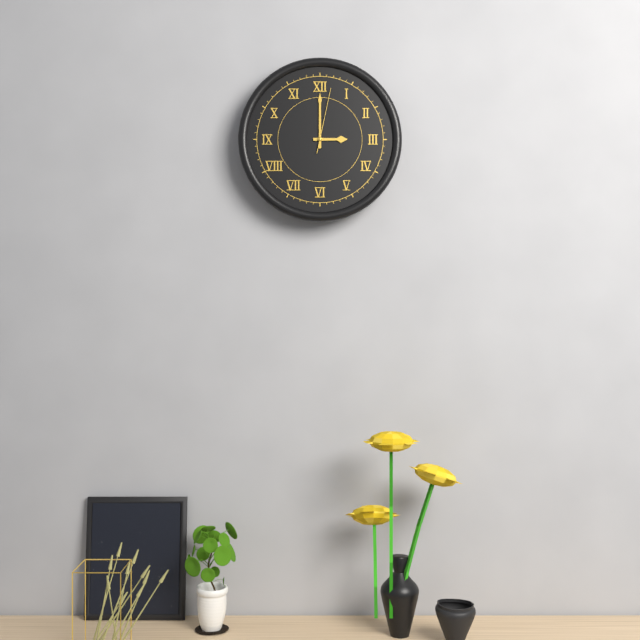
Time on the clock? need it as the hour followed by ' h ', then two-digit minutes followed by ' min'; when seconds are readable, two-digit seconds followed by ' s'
3 h 00 min 02 s
